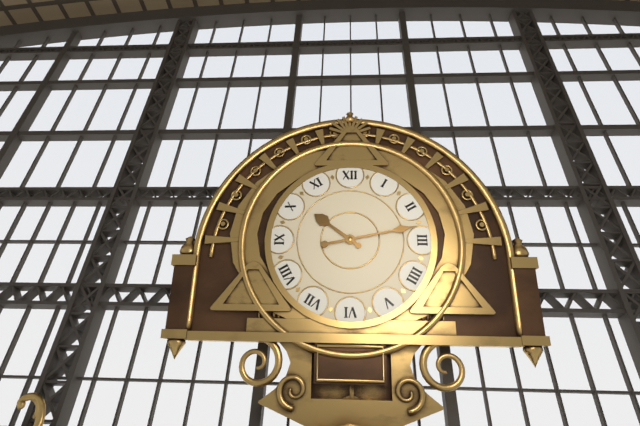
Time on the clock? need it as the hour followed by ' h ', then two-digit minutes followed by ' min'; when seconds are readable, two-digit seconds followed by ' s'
10 h 13 min
